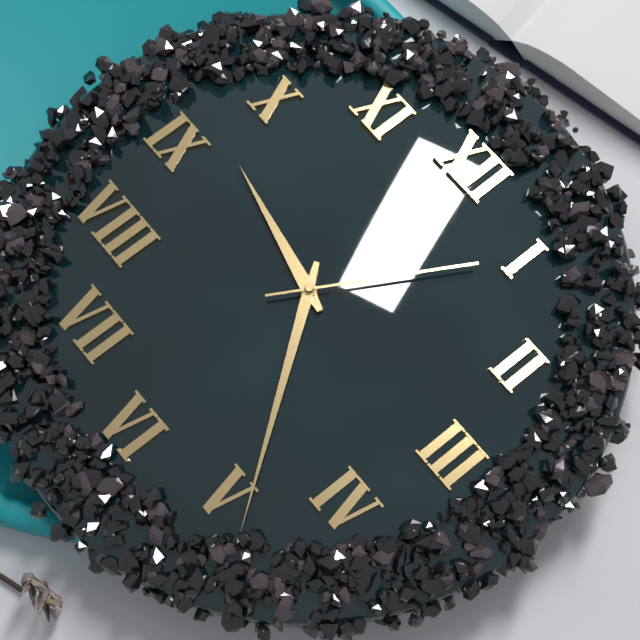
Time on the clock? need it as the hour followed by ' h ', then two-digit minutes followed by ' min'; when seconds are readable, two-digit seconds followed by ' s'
9 h 24 min 05 s
